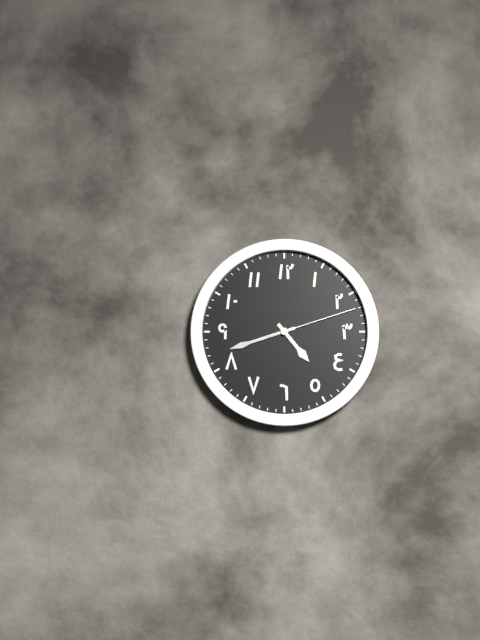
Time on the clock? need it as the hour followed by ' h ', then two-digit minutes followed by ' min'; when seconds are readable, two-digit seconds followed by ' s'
4 h 42 min 12 s
